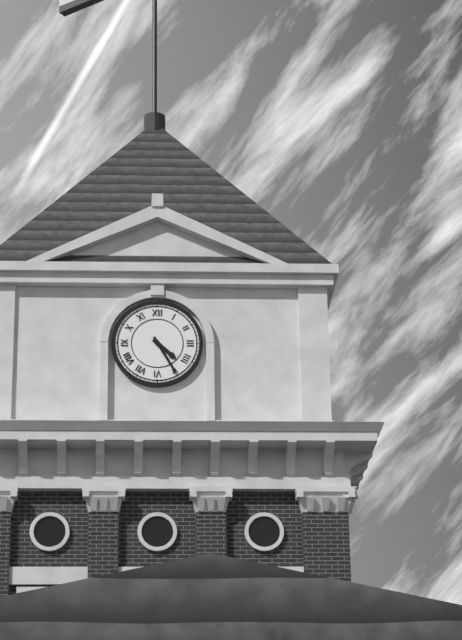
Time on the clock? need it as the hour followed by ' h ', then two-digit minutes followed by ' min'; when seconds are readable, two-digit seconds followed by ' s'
4 h 25 min
